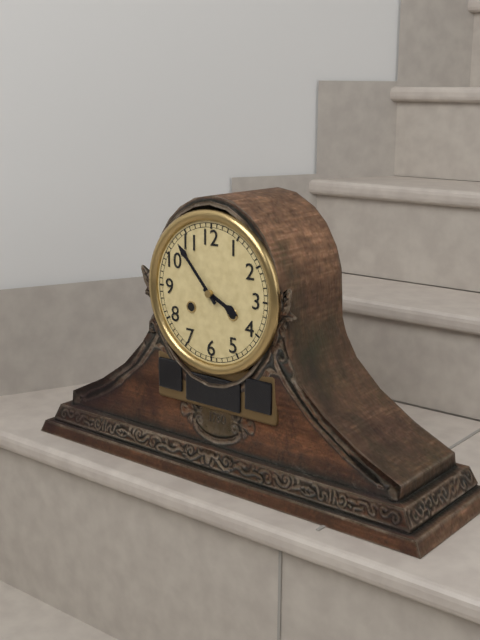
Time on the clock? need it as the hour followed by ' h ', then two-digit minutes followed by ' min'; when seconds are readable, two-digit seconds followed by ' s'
3 h 53 min
